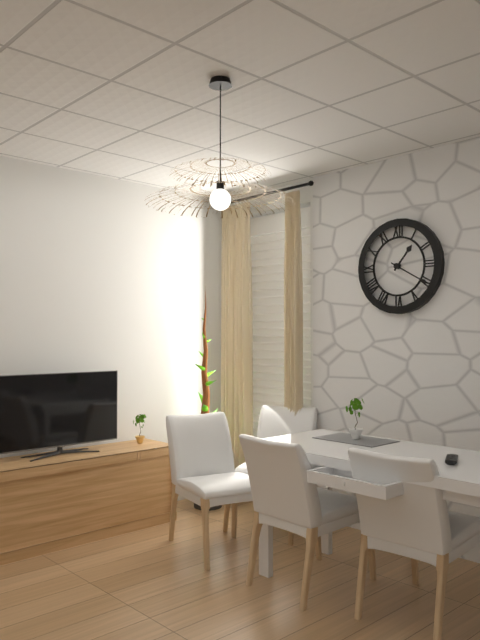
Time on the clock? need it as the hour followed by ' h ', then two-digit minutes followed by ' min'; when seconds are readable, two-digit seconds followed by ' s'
1 h 20 min
